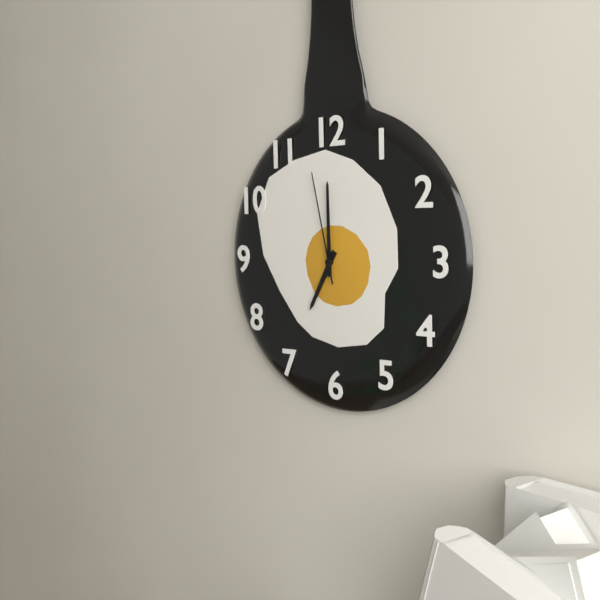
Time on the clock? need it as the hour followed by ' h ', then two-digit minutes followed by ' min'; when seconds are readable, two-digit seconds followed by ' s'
7 h 00 min 58 s
